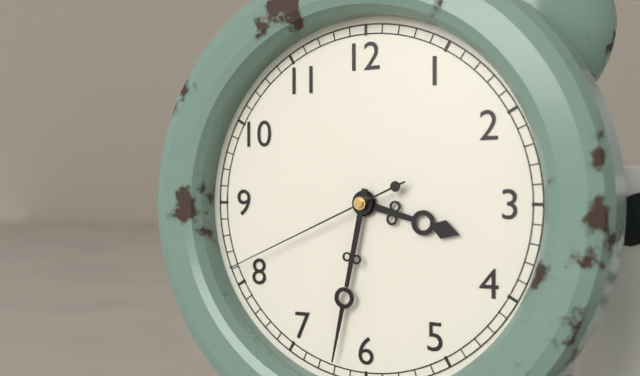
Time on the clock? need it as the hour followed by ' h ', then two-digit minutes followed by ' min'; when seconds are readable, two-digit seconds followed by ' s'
3 h 32 min 41 s
